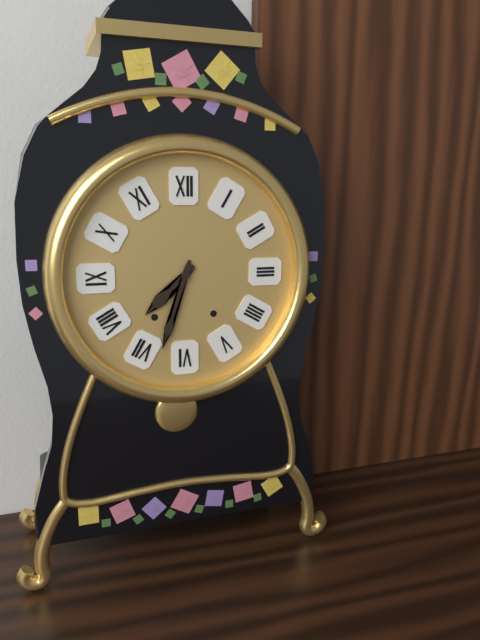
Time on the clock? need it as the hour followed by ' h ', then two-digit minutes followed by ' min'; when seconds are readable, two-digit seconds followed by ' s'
7 h 33 min
